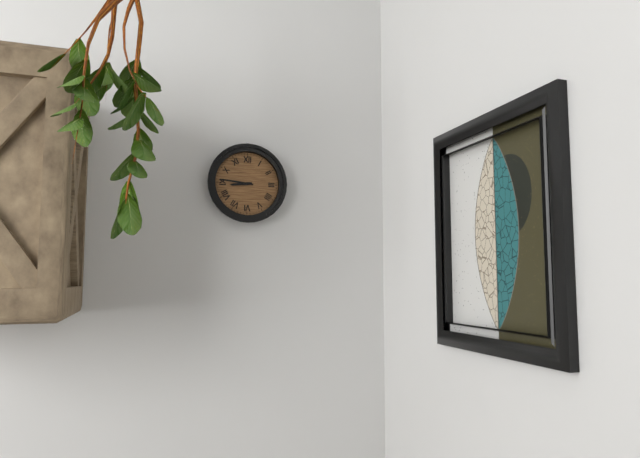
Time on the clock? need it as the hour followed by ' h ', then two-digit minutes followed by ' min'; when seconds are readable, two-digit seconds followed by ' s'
8 h 46 min
